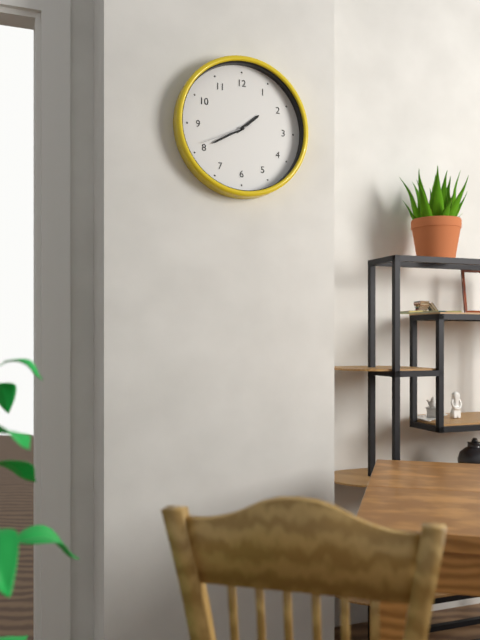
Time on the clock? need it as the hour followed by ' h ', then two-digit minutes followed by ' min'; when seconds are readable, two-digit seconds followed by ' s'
1 h 40 min 41 s
